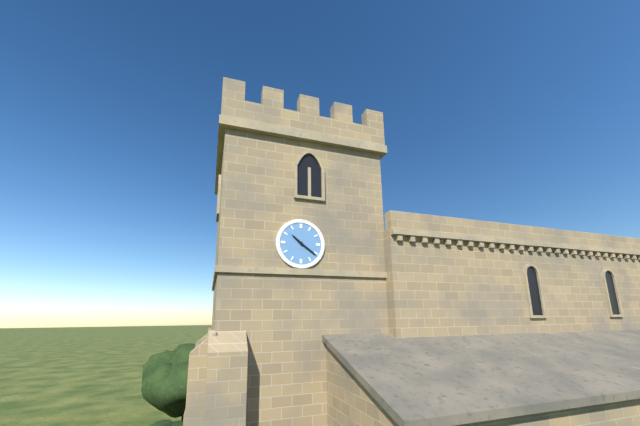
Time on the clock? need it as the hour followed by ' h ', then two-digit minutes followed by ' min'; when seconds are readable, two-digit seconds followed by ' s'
10 h 21 min
